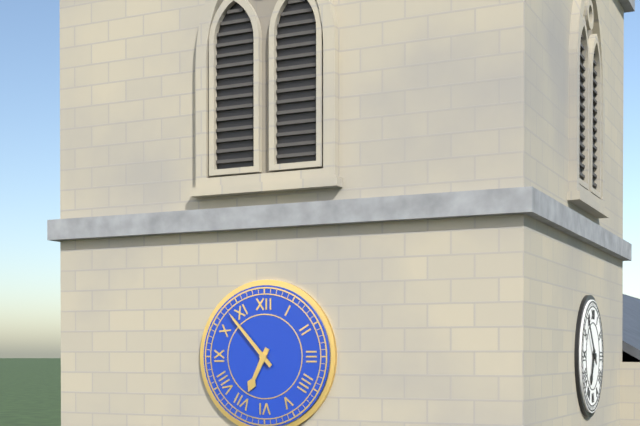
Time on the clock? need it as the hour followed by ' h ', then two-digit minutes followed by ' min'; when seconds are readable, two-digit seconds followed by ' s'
6 h 53 min
